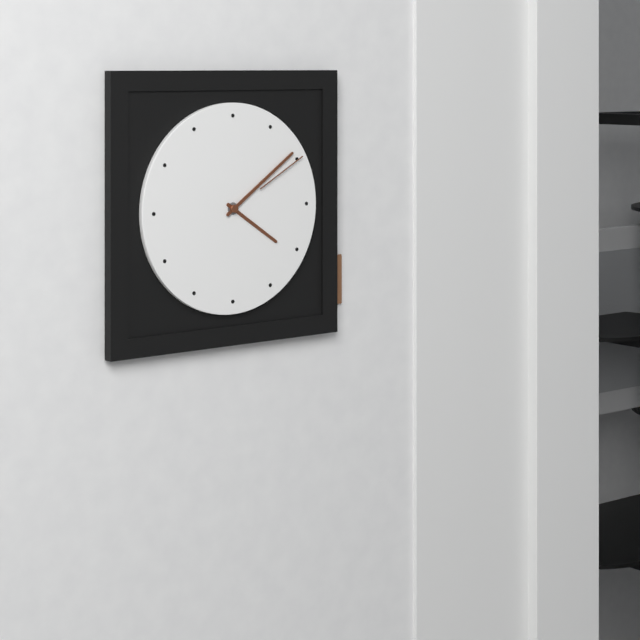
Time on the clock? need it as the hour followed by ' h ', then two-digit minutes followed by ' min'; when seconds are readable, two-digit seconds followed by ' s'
4 h 09 min 10 s
